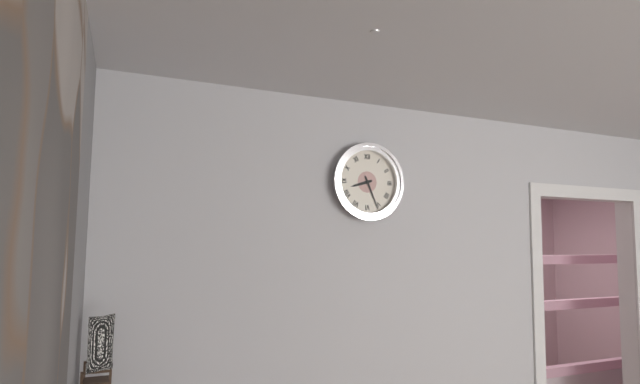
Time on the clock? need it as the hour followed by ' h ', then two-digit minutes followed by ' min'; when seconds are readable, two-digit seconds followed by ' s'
8 h 26 min
